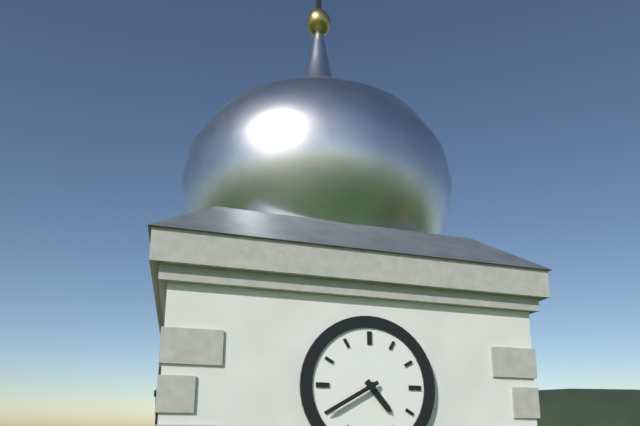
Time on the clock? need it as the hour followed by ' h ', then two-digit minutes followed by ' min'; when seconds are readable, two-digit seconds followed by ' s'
4 h 40 min
